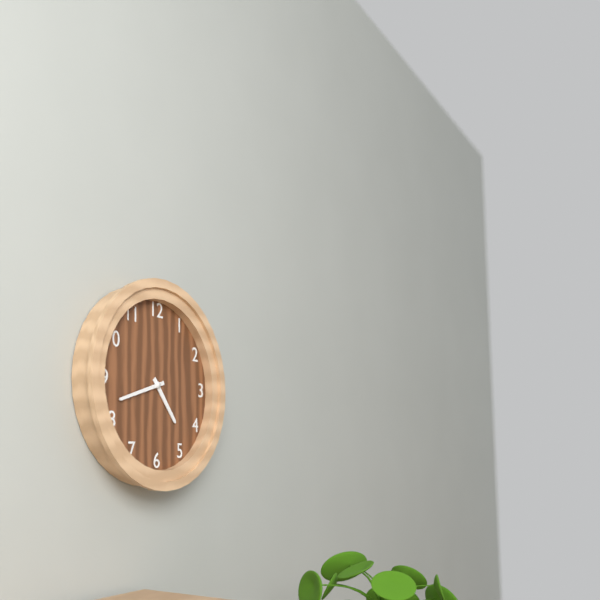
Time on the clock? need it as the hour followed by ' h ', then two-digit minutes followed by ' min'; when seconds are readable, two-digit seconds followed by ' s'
4 h 42 min
